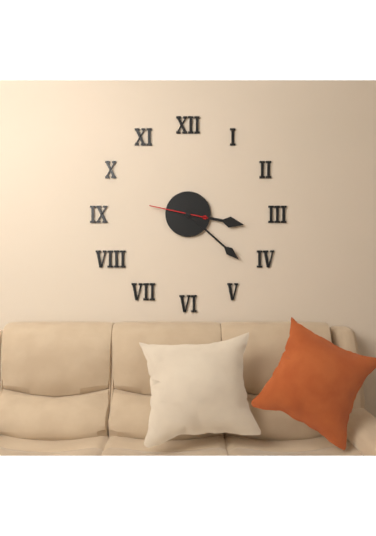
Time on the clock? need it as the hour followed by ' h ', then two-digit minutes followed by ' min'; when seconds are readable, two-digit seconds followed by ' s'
3 h 22 min
